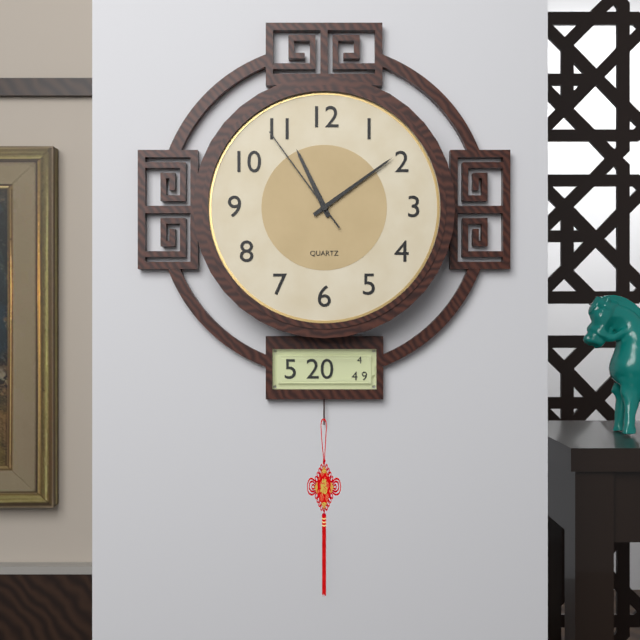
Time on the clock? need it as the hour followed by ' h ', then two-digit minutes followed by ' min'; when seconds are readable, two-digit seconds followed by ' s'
11 h 09 min 54 s
